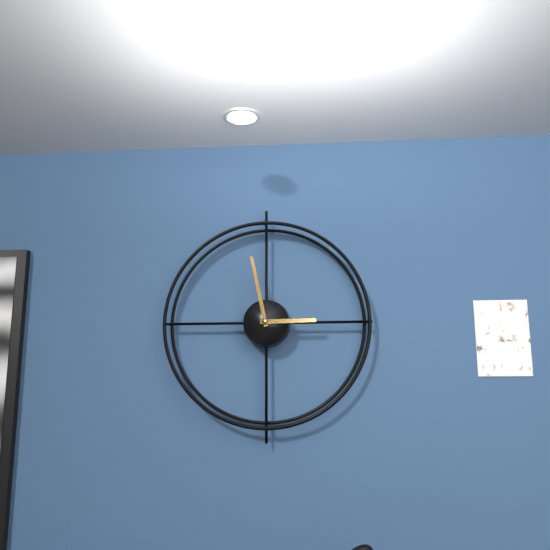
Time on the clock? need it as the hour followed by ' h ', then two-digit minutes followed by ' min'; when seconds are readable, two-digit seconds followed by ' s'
2 h 58 min
